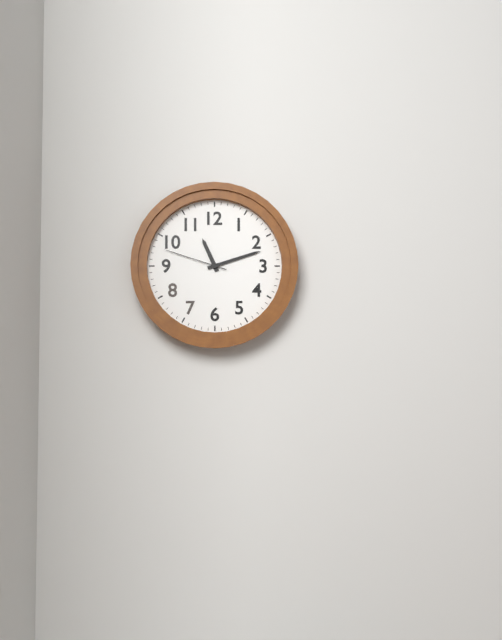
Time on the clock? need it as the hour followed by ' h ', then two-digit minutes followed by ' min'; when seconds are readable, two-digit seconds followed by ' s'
11 h 12 min 48 s
